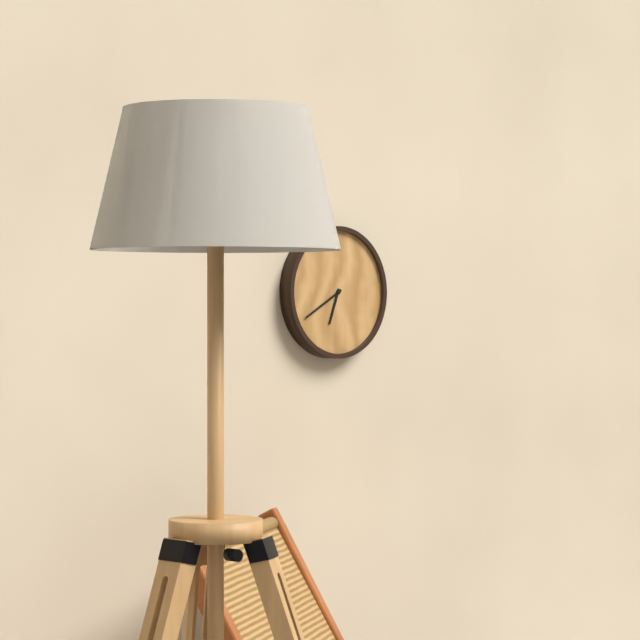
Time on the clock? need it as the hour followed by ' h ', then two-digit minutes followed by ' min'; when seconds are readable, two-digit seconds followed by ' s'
6 h 40 min
